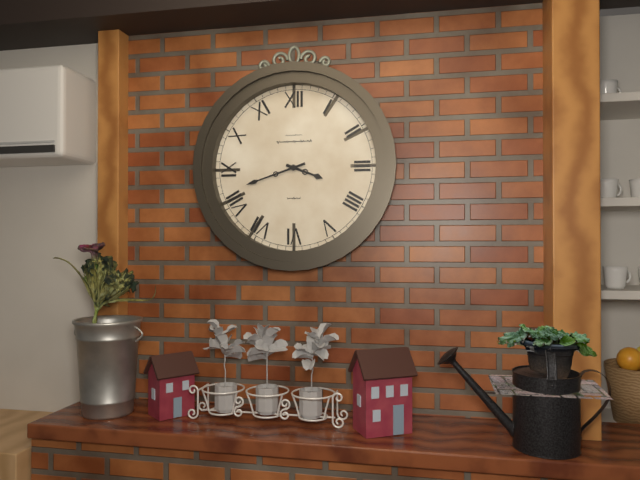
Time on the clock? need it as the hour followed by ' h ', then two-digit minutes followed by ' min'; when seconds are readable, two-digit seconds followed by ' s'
3 h 42 min
